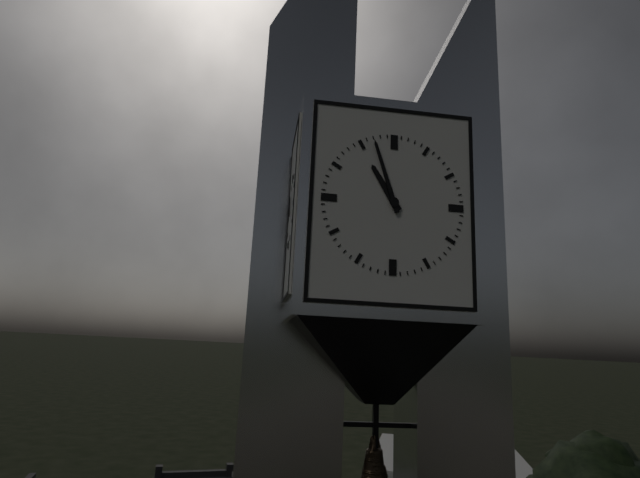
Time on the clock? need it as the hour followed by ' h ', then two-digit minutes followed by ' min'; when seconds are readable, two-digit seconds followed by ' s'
10 h 57 min
